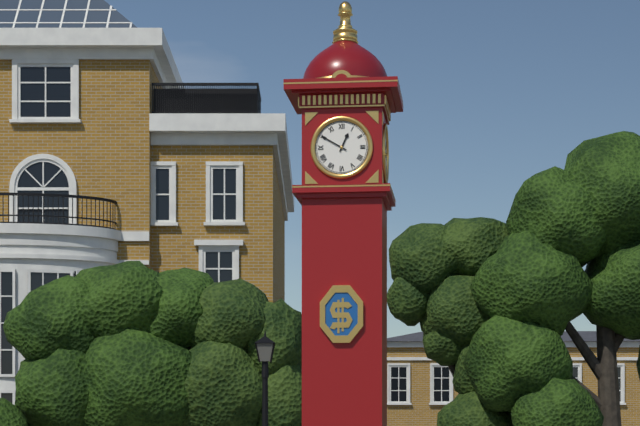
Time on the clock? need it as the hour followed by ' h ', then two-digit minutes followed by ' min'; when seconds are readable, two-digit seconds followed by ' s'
12 h 50 min
